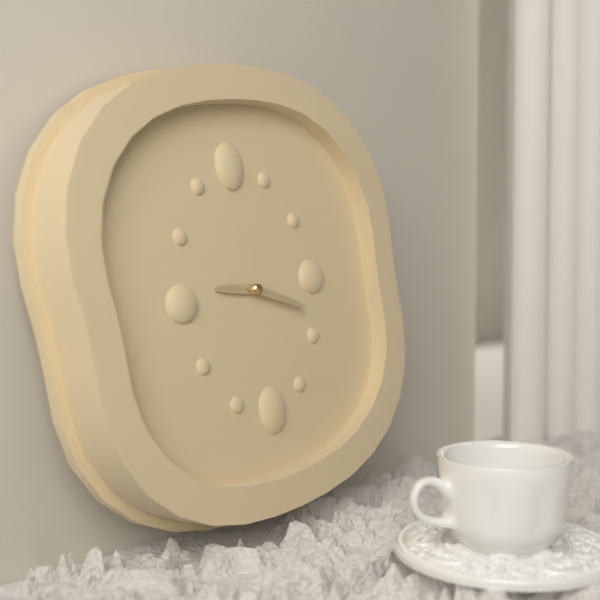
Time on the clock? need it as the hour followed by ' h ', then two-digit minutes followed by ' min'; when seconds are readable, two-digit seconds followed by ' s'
9 h 19 min
